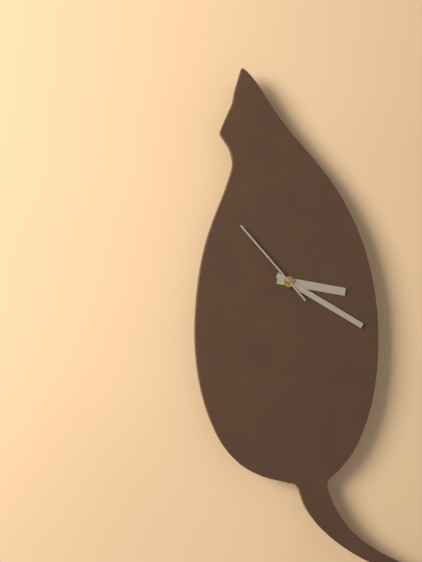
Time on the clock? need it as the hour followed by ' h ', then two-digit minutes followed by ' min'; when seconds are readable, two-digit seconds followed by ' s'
3 h 20 min 53 s
